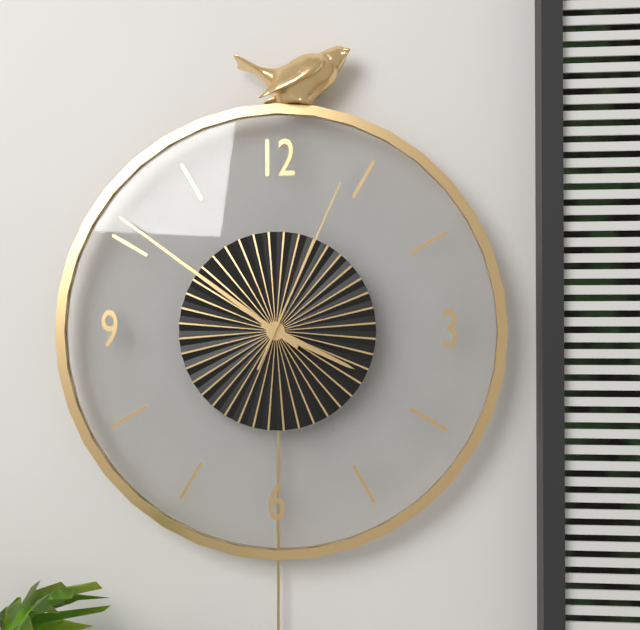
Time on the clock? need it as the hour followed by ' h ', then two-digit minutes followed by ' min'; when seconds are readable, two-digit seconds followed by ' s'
3 h 51 min 04 s
